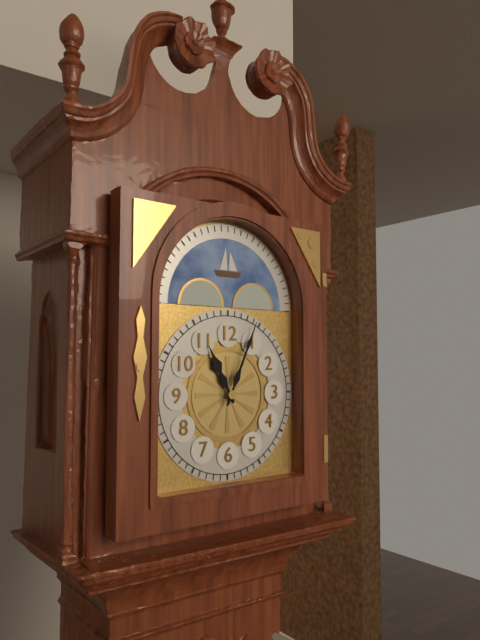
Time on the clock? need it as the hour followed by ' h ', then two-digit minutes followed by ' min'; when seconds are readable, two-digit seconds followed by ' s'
11 h 04 min
